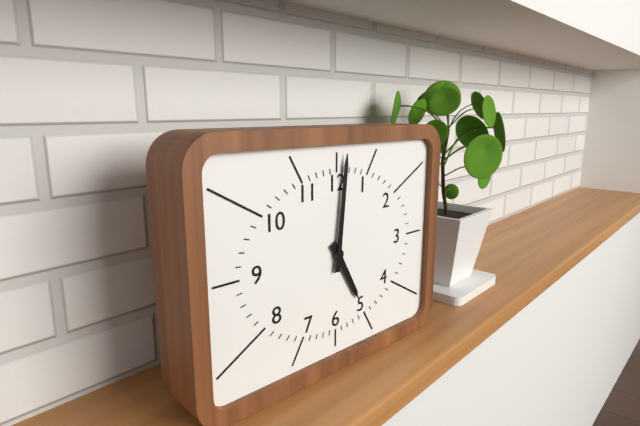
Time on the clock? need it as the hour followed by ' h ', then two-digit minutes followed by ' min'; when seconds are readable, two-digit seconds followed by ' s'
5 h 01 min
